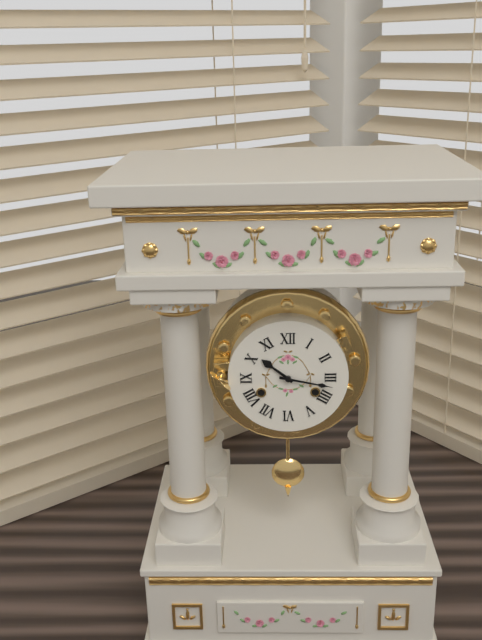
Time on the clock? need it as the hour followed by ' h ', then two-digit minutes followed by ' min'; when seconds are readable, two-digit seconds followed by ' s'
10 h 17 min
